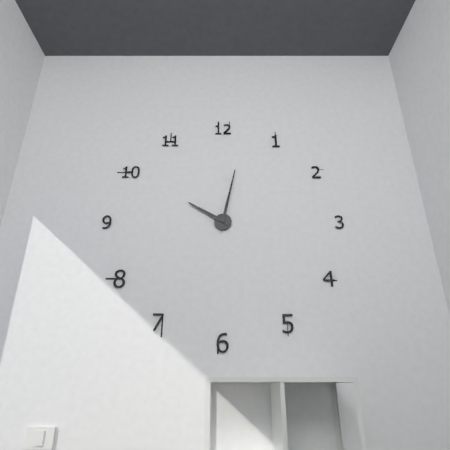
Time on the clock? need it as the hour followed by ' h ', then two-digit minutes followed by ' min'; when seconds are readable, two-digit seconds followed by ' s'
10 h 02 min
